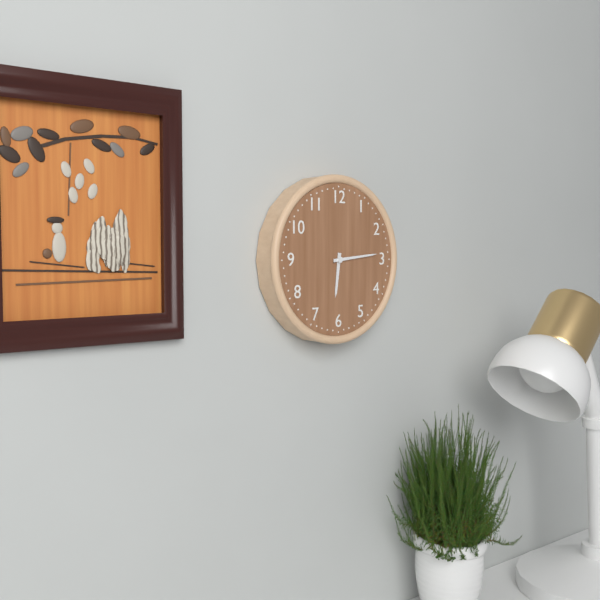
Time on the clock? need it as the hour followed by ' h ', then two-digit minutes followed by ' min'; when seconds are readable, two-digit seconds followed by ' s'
6 h 14 min
